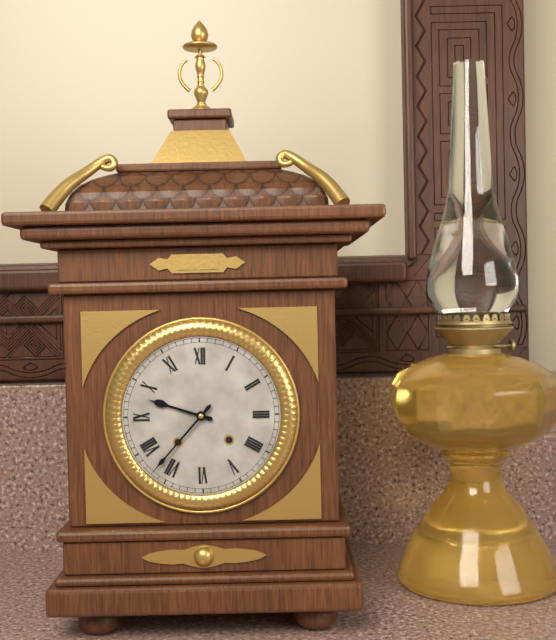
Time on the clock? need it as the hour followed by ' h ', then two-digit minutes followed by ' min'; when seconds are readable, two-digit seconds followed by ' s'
9 h 37 min
